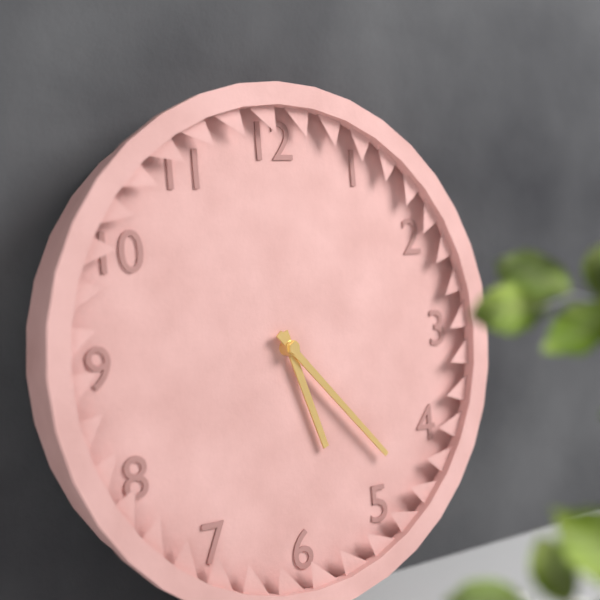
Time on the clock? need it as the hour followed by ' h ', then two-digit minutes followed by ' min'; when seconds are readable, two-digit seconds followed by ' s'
5 h 23 min
